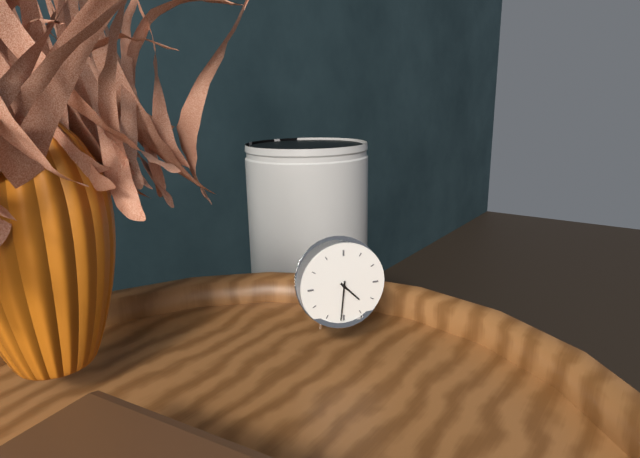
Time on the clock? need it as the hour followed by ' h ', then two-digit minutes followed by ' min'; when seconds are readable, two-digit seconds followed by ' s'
4 h 31 min
